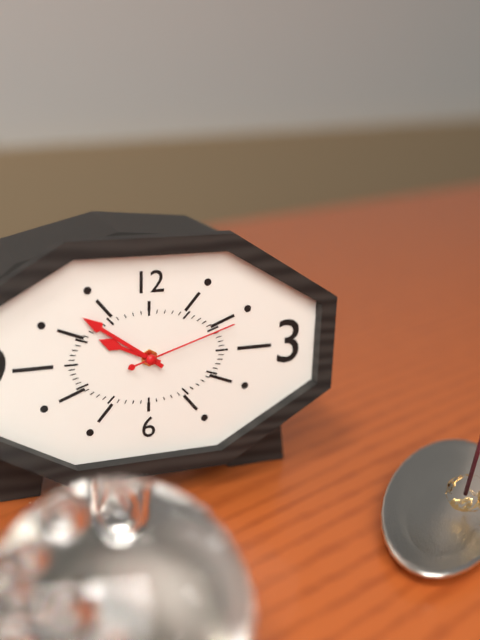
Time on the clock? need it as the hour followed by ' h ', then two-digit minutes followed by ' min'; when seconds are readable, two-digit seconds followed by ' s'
9 h 51 min 12 s
